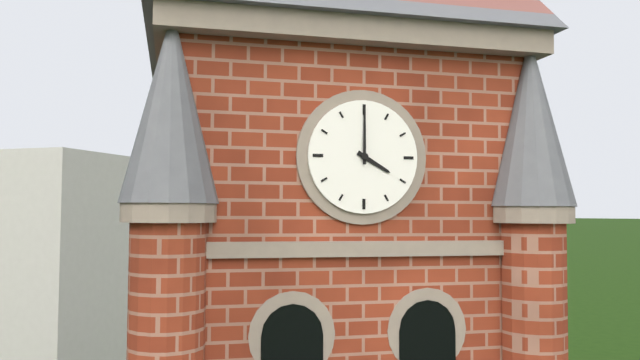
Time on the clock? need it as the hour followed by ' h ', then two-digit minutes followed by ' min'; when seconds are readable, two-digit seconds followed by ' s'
4 h 00 min
